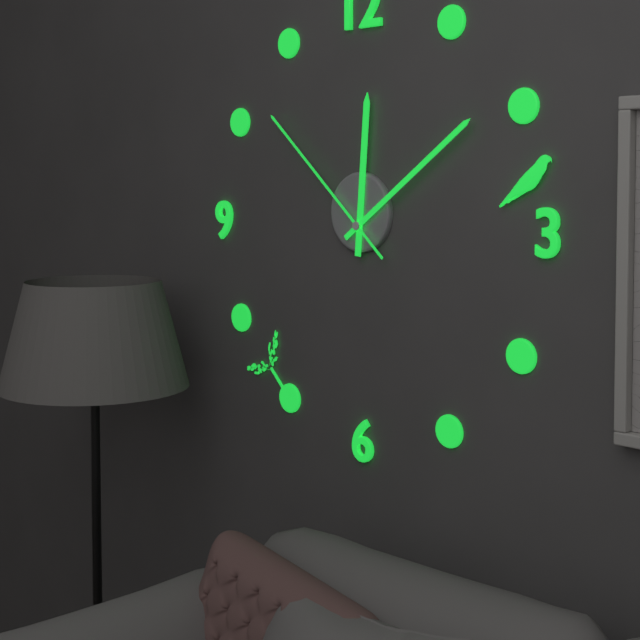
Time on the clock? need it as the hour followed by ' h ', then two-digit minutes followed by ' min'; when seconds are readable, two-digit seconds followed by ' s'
12 h 09 min 52 s
